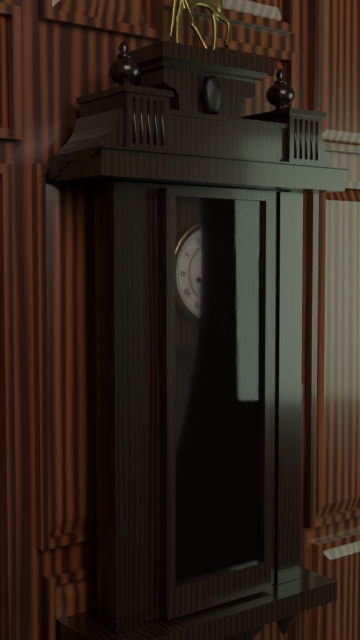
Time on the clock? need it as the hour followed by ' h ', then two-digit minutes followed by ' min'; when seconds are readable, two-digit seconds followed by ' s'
7 h 24 min
